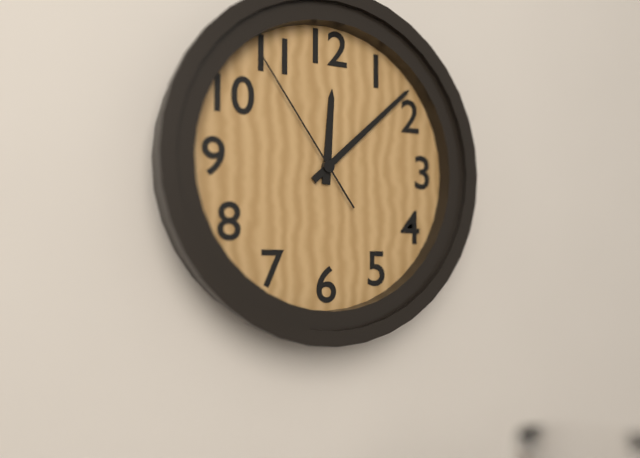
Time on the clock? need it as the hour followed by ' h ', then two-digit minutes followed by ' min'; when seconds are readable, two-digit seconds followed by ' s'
12 h 08 min 54 s
